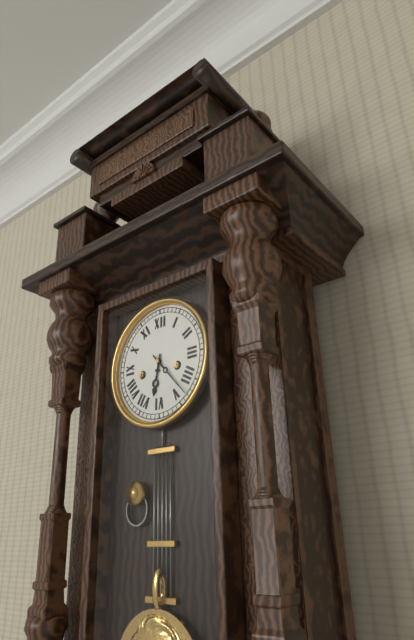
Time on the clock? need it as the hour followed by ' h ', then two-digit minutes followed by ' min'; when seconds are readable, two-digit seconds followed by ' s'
6 h 23 min
